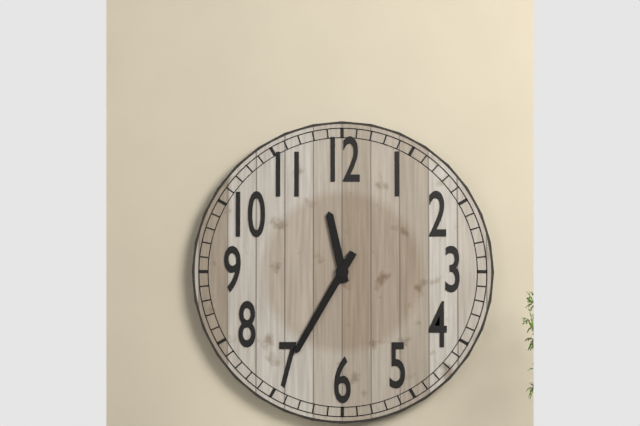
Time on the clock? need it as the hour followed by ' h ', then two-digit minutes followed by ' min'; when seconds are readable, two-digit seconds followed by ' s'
11 h 35 min
